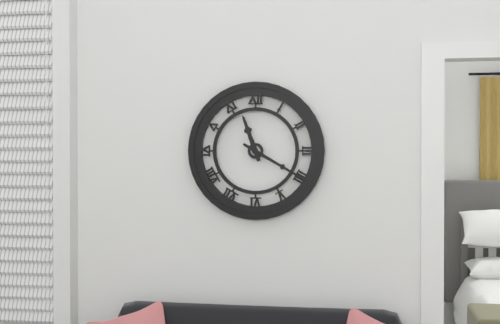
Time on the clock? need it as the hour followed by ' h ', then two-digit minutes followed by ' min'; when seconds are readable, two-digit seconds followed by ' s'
11 h 20 min
